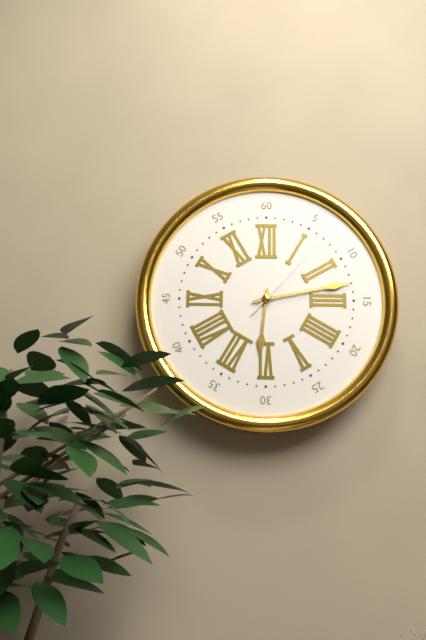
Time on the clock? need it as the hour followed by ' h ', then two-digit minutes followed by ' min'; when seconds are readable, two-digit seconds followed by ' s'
6 h 13 min 07 s
